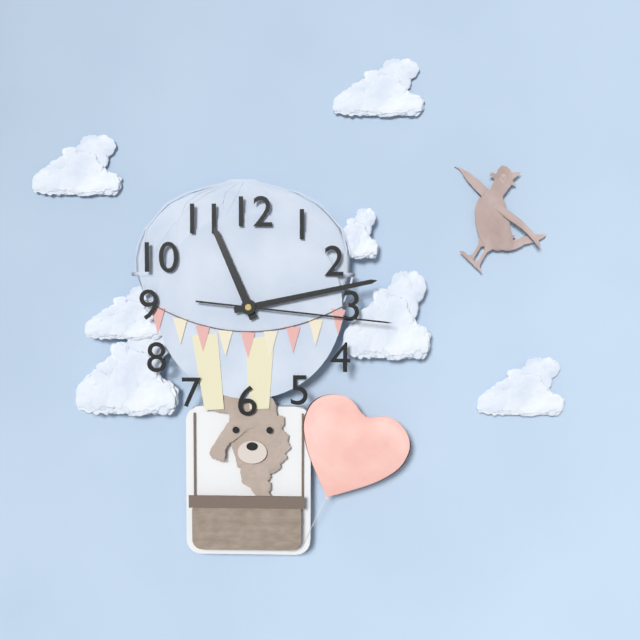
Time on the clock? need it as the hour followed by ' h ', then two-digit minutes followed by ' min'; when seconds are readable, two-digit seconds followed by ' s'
11 h 13 min 16 s
